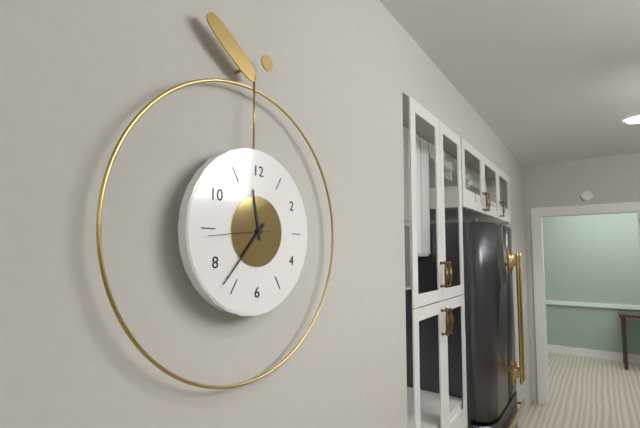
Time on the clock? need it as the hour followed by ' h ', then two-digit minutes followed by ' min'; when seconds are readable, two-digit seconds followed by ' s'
11 h 37 min 44 s
